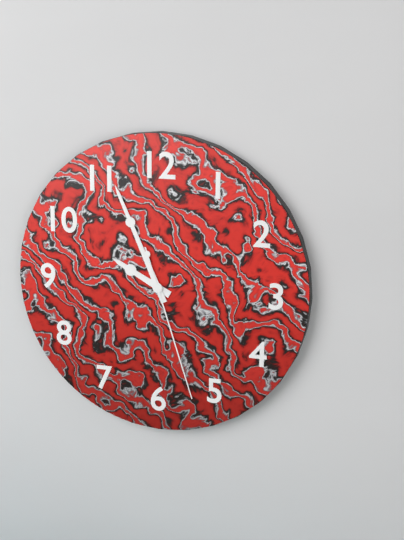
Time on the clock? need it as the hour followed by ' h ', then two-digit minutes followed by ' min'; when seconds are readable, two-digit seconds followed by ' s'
9 h 56 min 27 s
